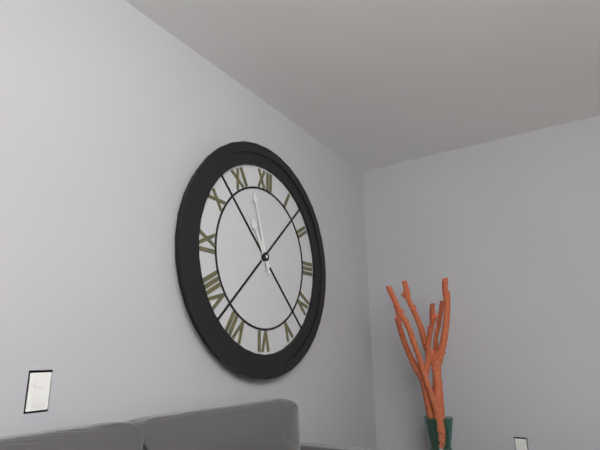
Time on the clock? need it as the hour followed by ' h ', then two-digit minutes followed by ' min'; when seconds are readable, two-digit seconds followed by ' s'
10 h 57 min
